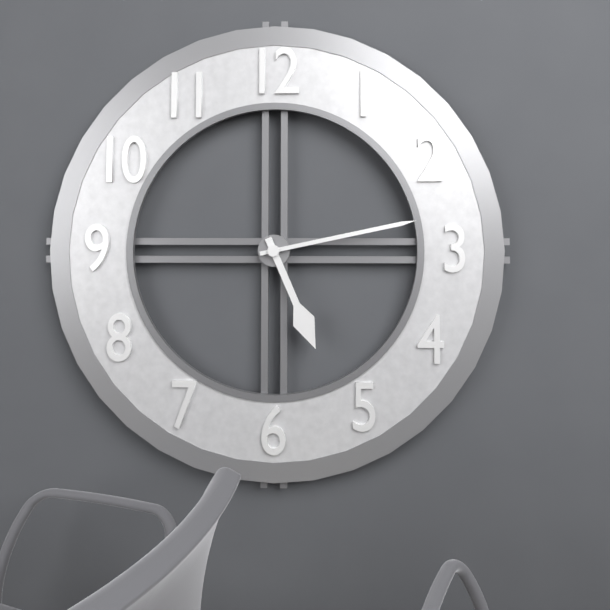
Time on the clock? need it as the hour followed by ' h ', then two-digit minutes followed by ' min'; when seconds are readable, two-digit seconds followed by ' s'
5 h 13 min
